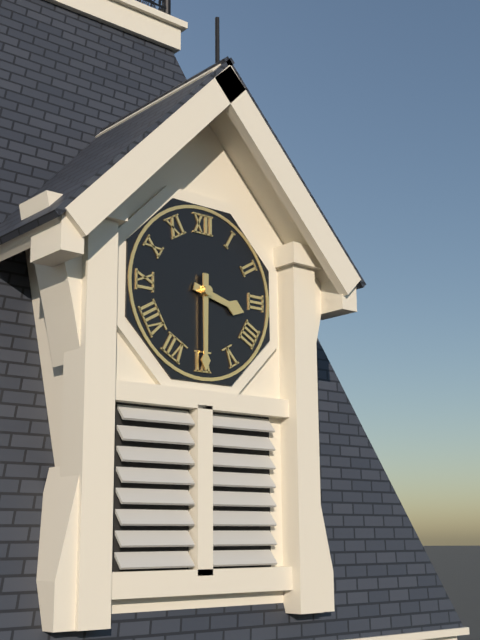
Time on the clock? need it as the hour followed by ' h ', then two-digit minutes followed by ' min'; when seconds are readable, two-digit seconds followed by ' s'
3 h 30 min
